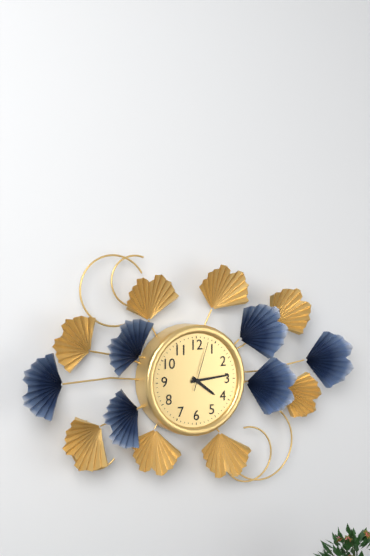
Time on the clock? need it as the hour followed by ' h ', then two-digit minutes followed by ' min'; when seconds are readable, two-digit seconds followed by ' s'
4 h 14 min 03 s
